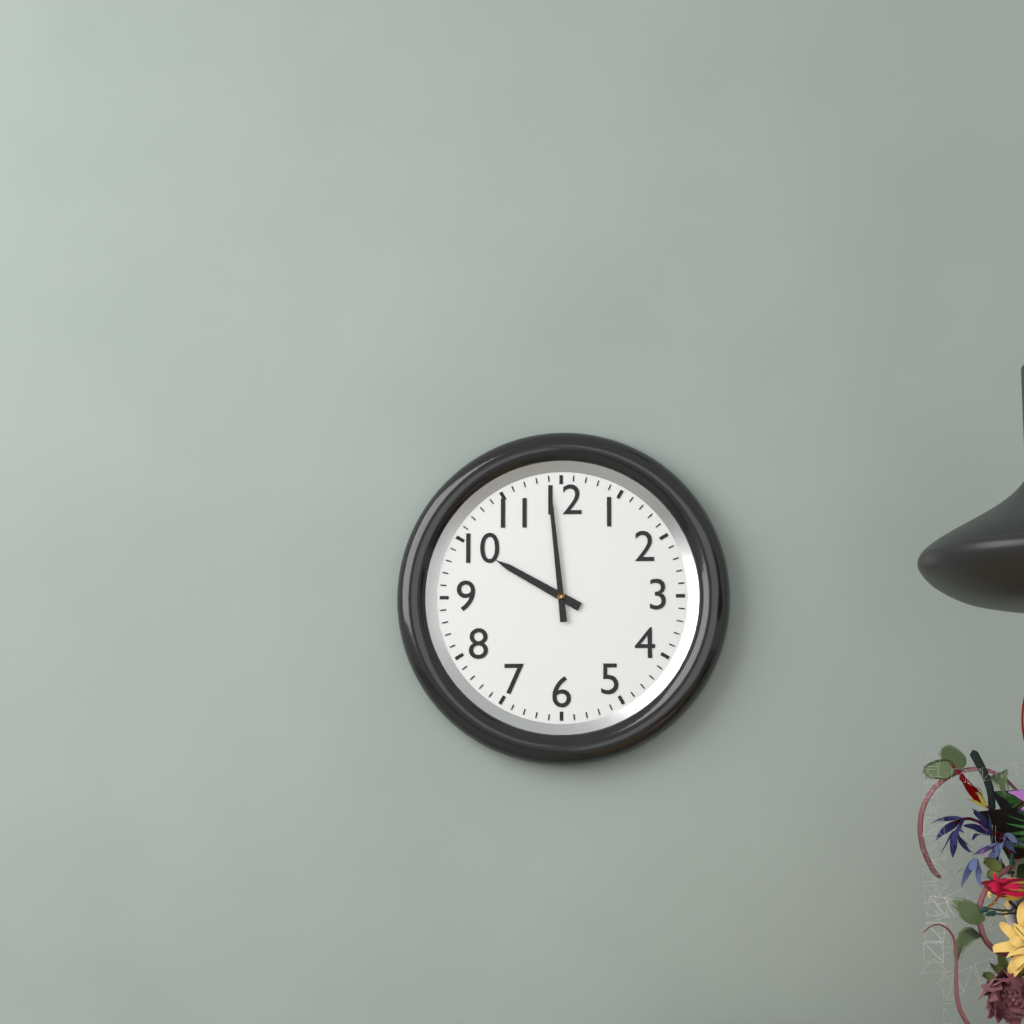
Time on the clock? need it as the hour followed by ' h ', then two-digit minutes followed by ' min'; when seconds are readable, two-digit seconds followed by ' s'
9 h 59 min
